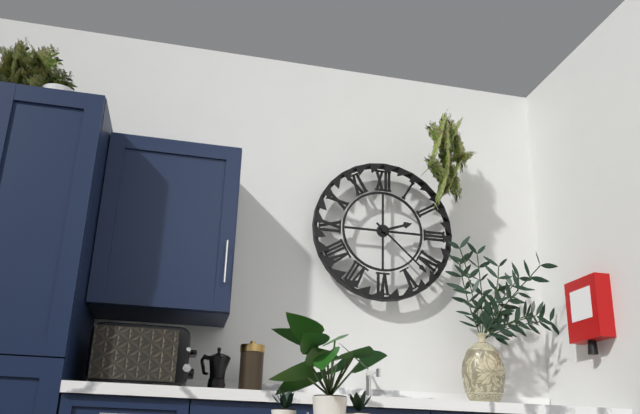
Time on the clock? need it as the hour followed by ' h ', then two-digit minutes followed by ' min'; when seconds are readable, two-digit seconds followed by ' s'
2 h 22 min
